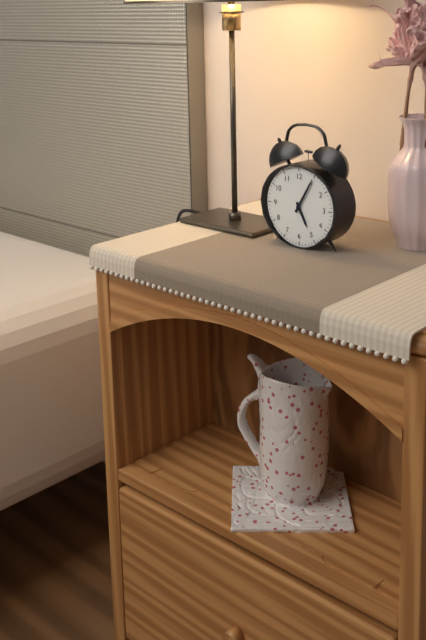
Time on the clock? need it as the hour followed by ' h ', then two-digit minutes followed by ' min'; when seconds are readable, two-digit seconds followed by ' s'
5 h 05 min
